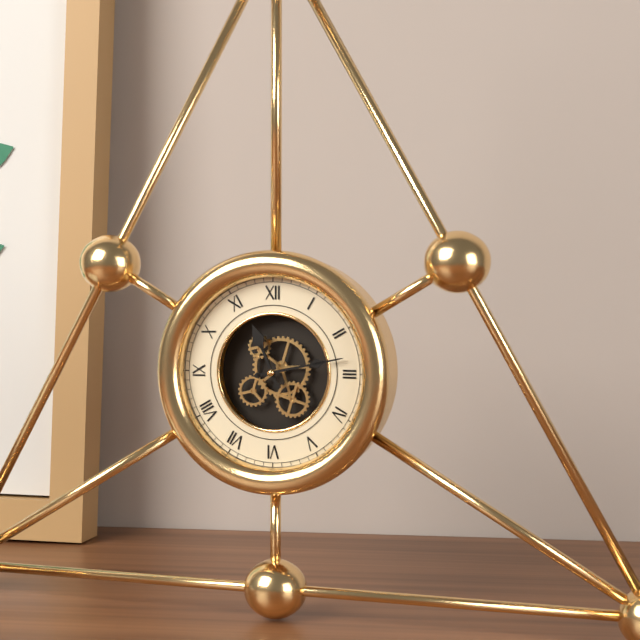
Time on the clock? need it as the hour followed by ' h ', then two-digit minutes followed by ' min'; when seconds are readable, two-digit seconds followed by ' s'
11 h 13 min
